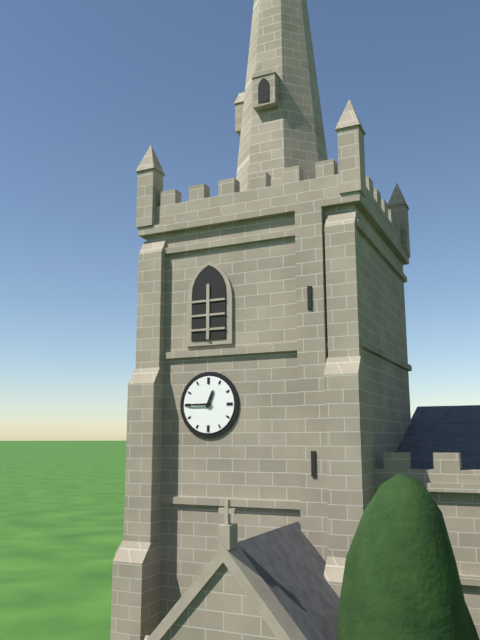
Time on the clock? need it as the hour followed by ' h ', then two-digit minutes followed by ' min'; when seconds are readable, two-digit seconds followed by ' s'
12 h 45 min
